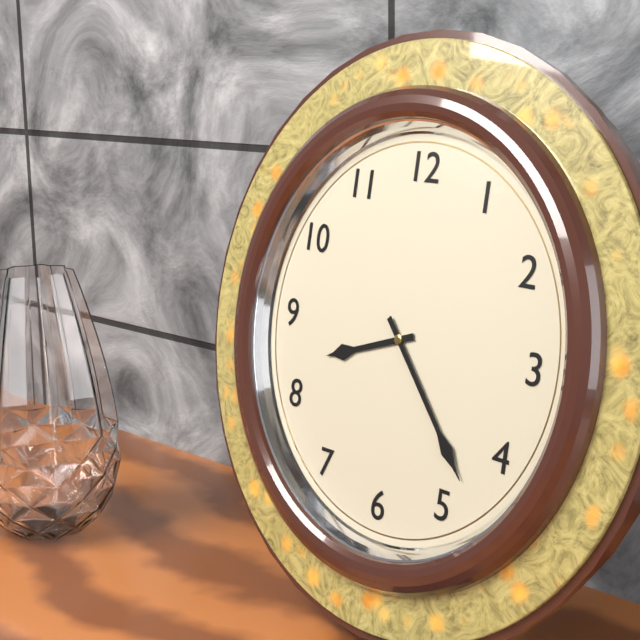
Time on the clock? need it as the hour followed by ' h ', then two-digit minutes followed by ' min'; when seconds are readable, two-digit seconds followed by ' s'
8 h 23 min
